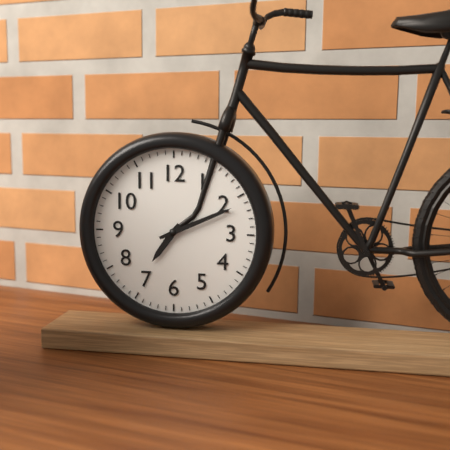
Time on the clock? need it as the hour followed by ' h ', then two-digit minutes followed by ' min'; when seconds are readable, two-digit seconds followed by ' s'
7 h 11 min
